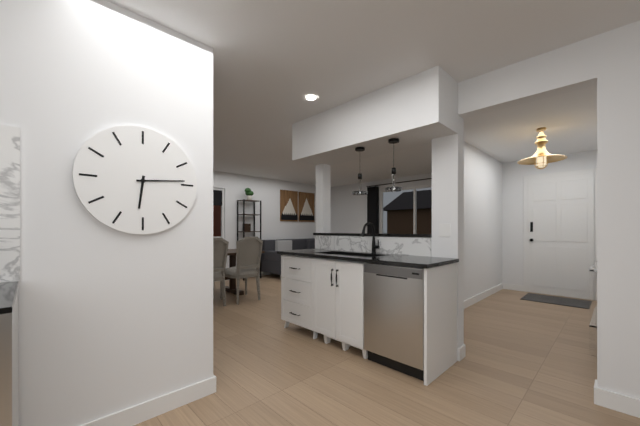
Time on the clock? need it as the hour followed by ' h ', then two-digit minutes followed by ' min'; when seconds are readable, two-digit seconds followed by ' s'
6 h 14 min
